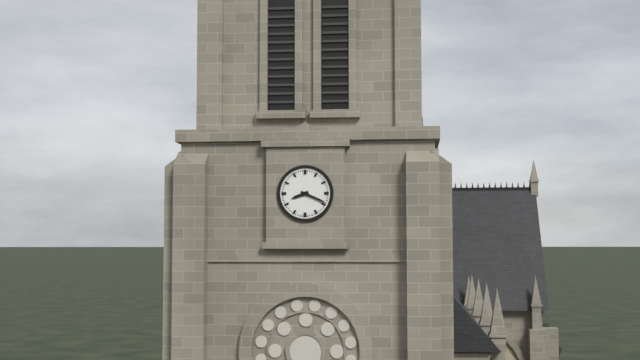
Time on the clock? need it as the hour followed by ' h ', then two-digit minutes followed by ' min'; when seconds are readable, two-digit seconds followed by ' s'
8 h 19 min
